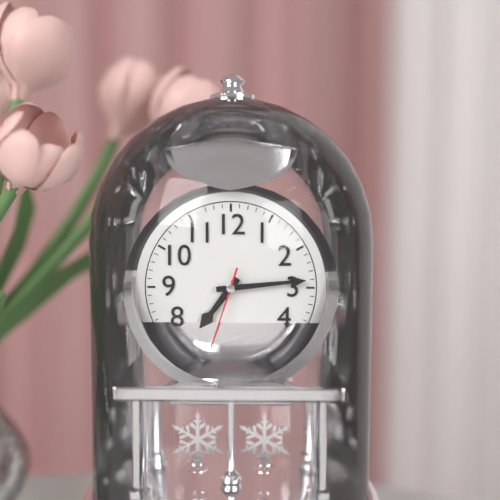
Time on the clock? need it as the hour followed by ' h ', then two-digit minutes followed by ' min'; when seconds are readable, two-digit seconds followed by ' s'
7 h 14 min 33 s
